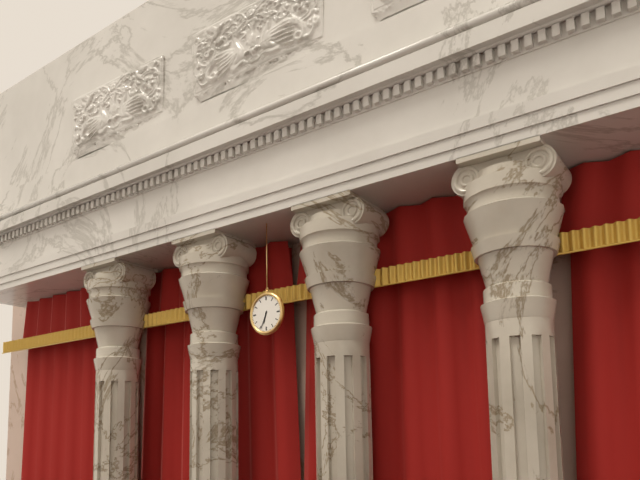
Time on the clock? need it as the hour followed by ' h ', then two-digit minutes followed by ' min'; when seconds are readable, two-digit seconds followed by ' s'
6 h 34 min
